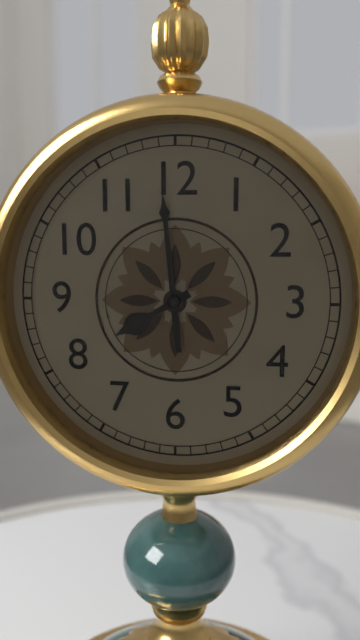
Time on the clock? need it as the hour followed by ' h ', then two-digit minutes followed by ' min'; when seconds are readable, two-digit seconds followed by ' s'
7 h 59 min
